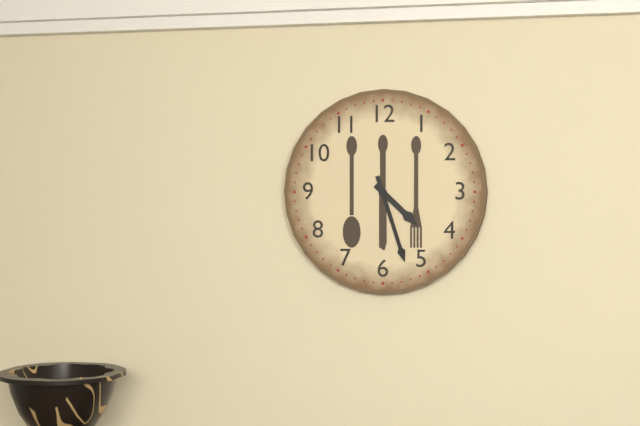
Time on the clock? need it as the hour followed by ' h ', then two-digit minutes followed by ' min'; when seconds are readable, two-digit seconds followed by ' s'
4 h 27 min
